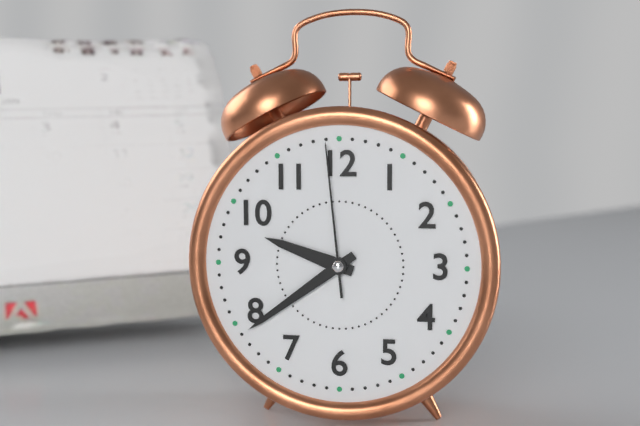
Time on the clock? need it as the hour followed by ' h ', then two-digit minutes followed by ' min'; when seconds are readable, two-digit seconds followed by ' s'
9 h 39 min 59 s
